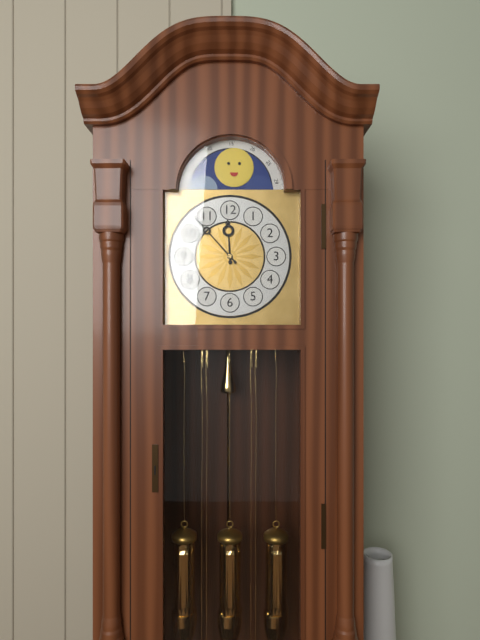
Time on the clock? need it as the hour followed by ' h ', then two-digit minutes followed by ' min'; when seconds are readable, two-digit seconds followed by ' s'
11 h 53 min
